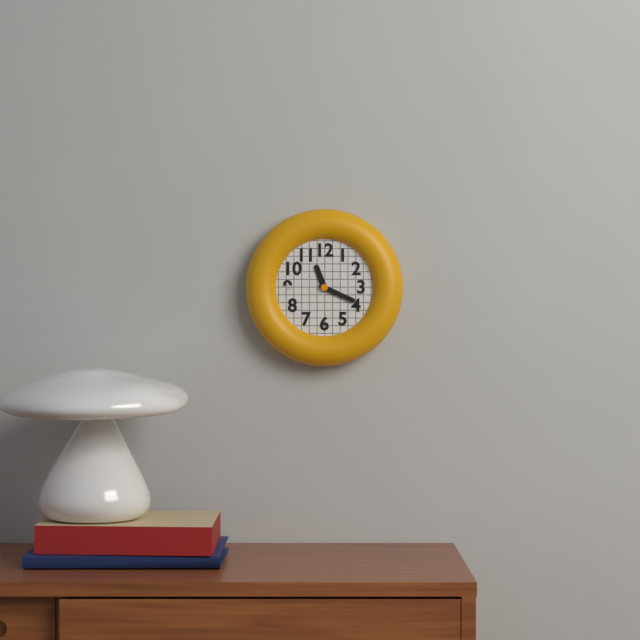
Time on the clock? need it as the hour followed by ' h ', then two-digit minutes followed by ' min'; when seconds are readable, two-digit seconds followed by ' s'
11 h 19 min
